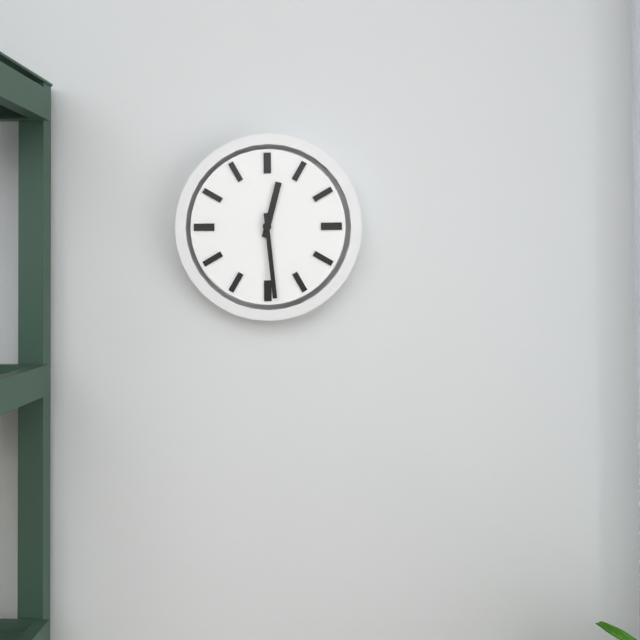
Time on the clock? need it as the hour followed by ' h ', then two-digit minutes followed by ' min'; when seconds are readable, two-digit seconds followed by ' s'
12 h 29 min
